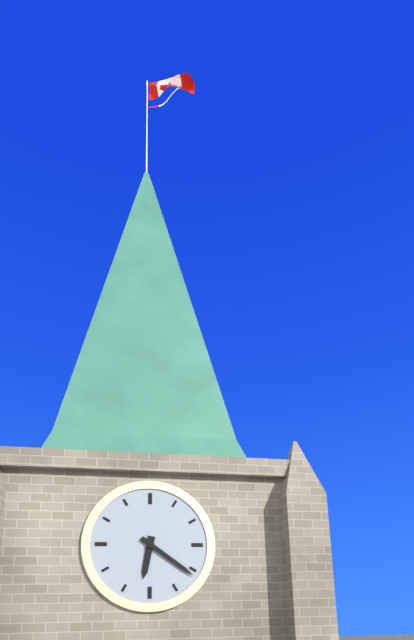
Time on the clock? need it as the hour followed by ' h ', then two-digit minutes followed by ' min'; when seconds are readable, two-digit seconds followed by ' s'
6 h 21 min
